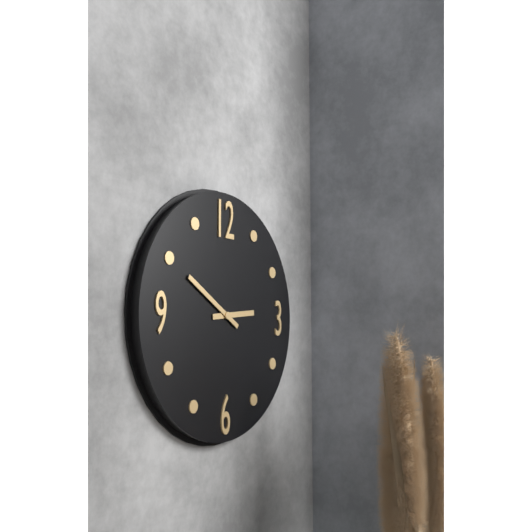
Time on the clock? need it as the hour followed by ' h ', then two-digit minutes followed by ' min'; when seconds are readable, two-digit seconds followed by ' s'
2 h 50 min
